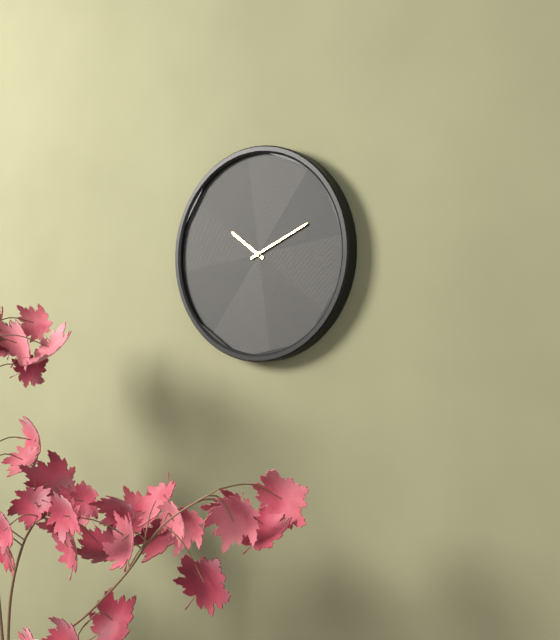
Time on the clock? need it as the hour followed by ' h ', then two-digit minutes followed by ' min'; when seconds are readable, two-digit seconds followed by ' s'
10 h 11 min
